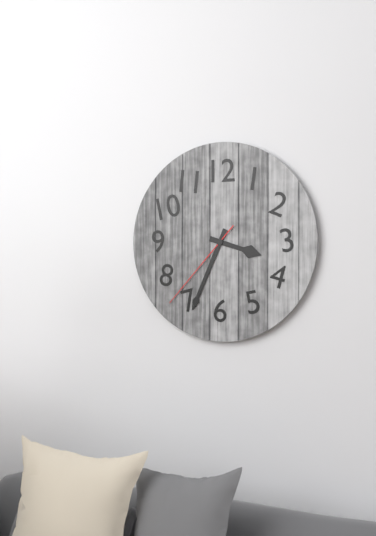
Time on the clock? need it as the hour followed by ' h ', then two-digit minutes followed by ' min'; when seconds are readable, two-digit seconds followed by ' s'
3 h 34 min 37 s
